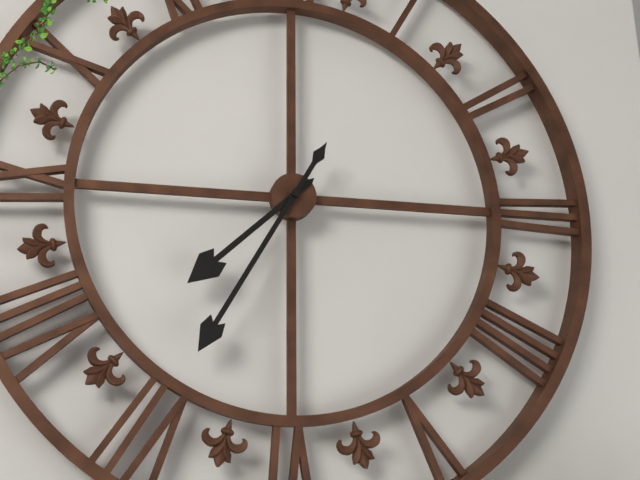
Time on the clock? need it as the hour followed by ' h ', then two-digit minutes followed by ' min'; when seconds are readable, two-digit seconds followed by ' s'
7 h 35 min
